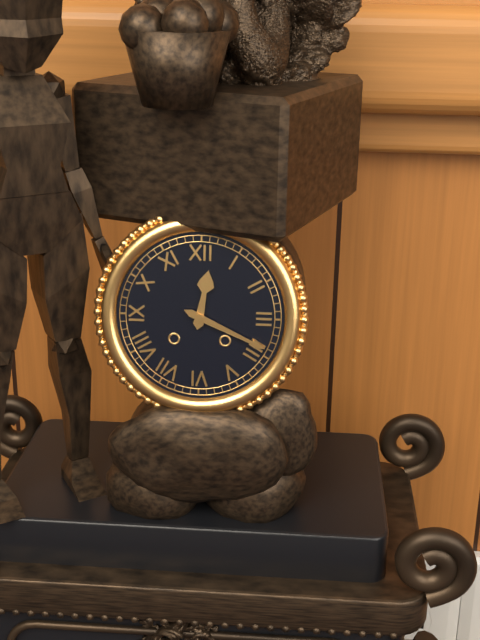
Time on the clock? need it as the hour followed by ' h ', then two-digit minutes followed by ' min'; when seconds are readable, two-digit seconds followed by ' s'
12 h 19 min
